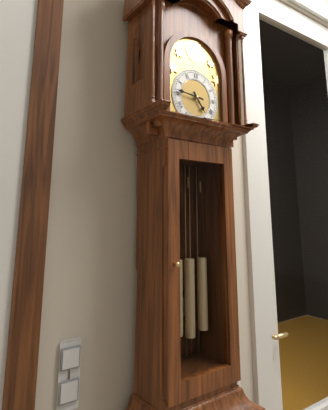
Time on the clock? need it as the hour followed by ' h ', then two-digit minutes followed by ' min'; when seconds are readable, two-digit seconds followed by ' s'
4 h 46 min
